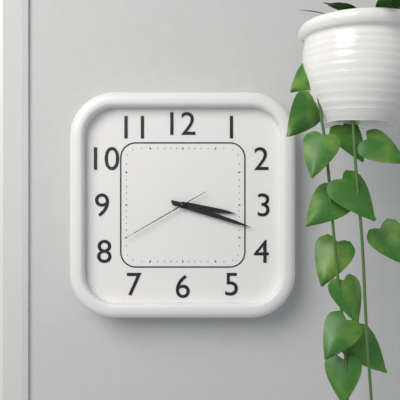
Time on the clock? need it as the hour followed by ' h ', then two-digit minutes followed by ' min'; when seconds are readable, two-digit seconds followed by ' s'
3 h 18 min 40 s
